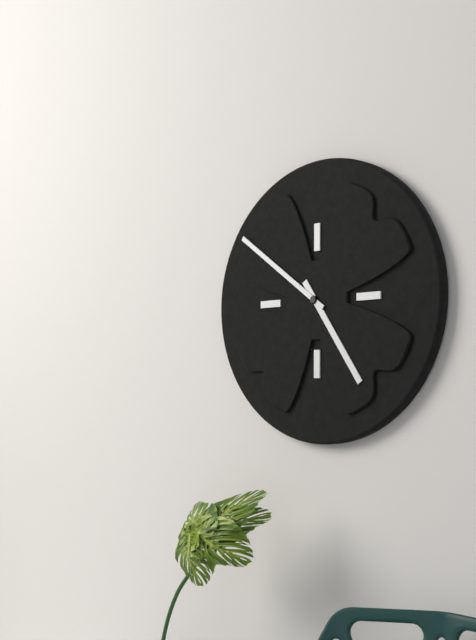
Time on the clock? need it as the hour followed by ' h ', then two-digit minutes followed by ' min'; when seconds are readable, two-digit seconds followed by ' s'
4 h 51 min
